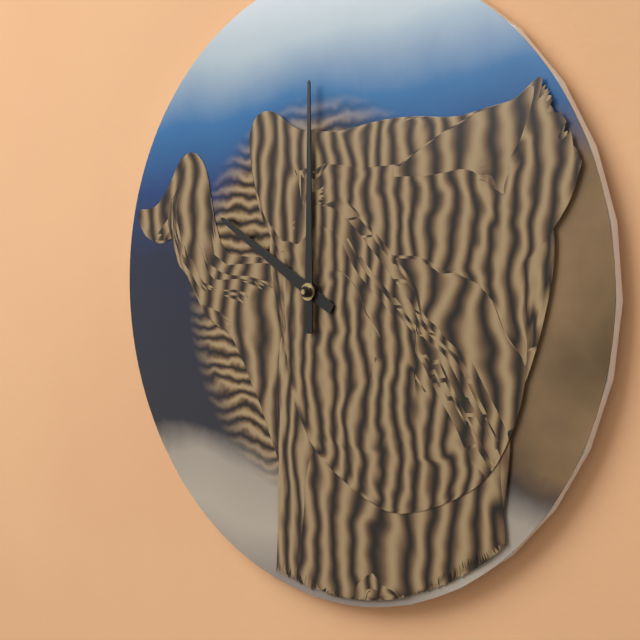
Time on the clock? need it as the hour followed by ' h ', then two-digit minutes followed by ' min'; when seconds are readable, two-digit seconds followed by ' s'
10 h 00 min
